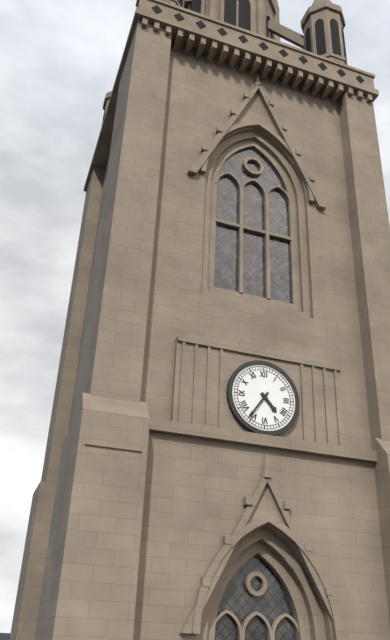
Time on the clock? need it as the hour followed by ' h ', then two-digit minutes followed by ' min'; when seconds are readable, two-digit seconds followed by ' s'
4 h 36 min
